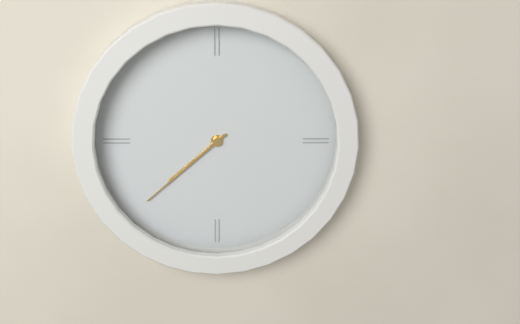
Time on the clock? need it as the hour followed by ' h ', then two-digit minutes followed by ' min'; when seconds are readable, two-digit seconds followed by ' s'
7 h 38 min
